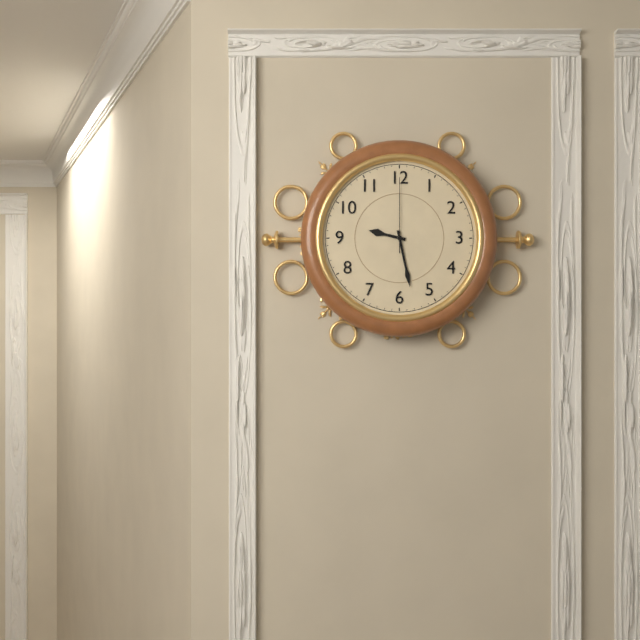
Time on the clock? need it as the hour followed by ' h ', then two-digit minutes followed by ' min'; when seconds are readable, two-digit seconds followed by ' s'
9 h 28 min 00 s
